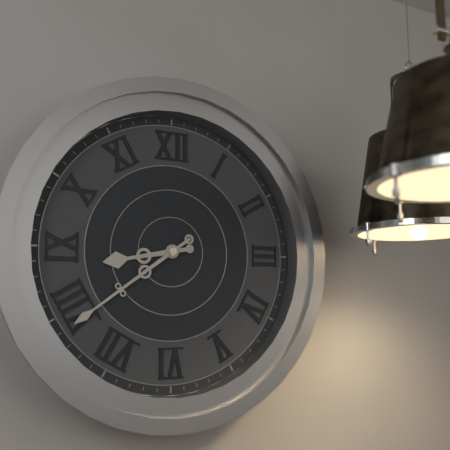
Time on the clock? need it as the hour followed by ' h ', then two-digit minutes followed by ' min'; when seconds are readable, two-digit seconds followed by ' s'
8 h 39 min
